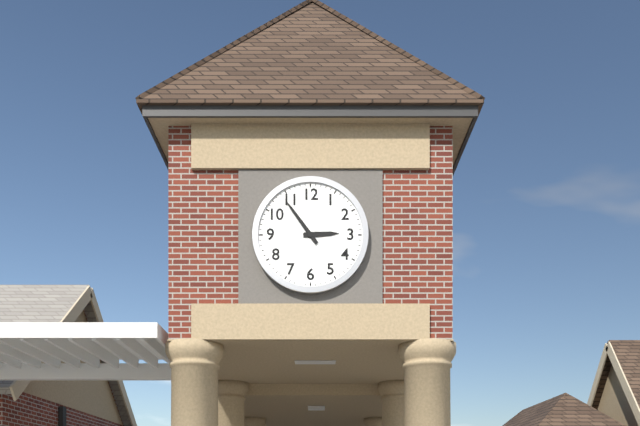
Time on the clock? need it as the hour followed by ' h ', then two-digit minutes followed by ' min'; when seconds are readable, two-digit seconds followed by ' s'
2 h 54 min
